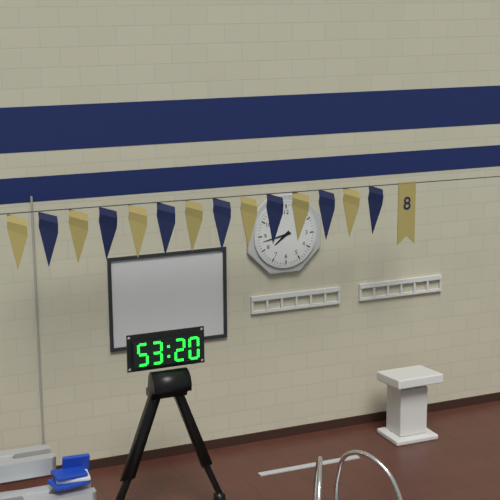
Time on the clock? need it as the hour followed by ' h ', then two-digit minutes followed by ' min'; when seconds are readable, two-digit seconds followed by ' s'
7 h 43 min
